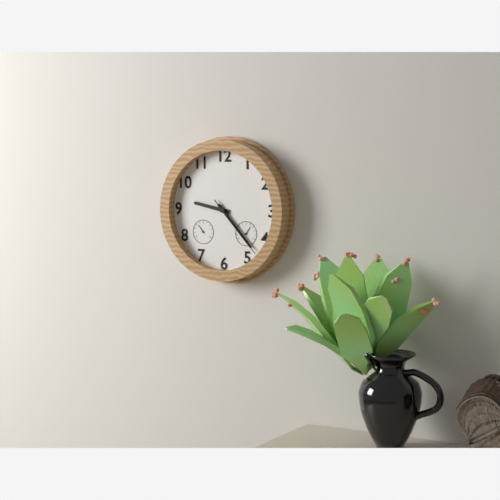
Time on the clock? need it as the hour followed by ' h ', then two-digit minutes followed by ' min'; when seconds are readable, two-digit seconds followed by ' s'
9 h 23 min 23 s
